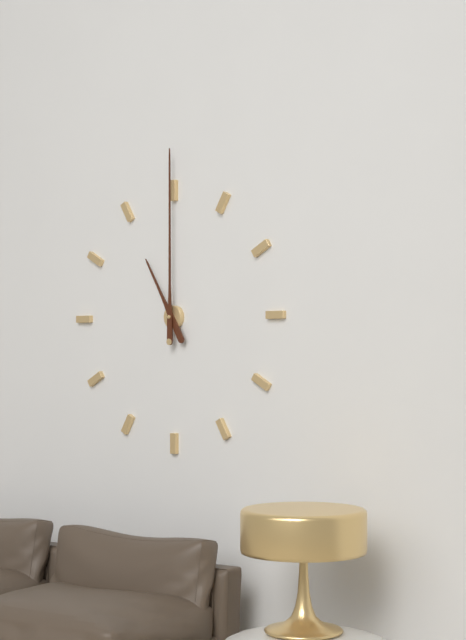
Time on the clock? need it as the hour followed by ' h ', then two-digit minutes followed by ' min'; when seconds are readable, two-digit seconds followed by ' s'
11 h 00 min
